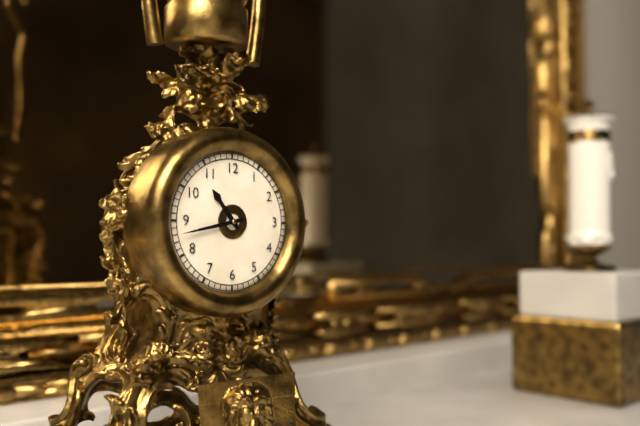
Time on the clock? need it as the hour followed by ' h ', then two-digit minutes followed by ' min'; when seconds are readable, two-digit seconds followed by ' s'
10 h 43 min
